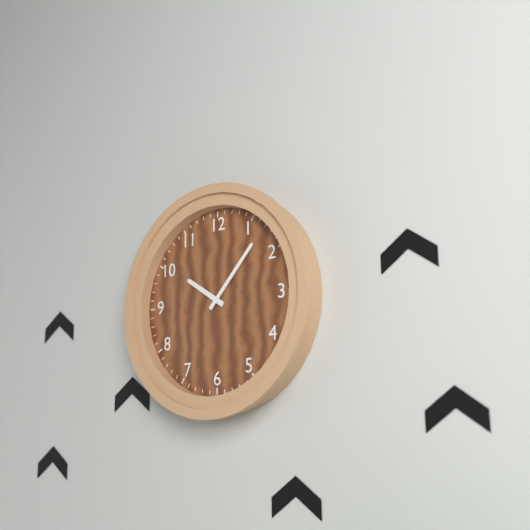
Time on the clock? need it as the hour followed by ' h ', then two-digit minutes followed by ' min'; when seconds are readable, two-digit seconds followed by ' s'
10 h 07 min
